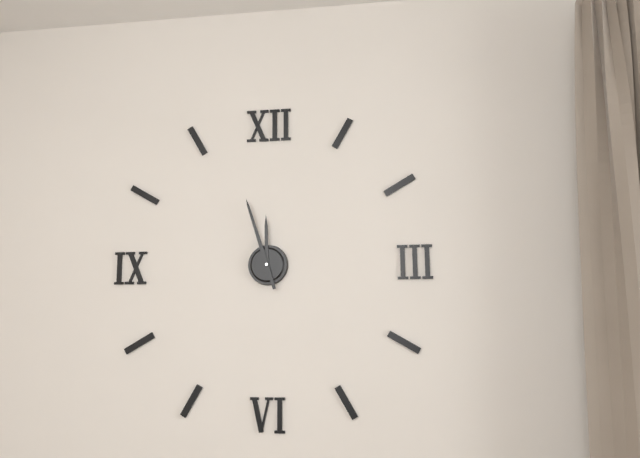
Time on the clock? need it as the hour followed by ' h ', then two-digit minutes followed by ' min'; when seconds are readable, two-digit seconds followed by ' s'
11 h 57 min
